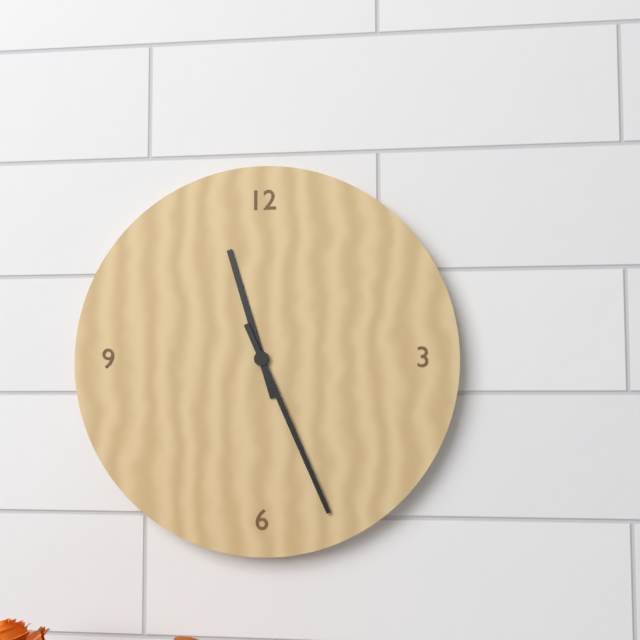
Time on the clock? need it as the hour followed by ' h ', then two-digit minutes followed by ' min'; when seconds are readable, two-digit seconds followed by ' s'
11 h 26 min
